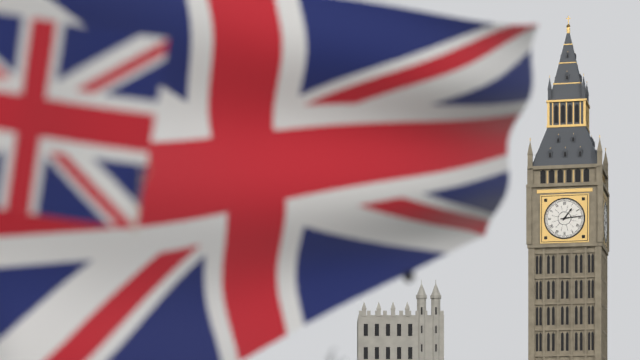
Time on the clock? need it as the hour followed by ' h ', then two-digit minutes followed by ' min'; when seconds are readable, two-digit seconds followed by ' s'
1 h 14 min
